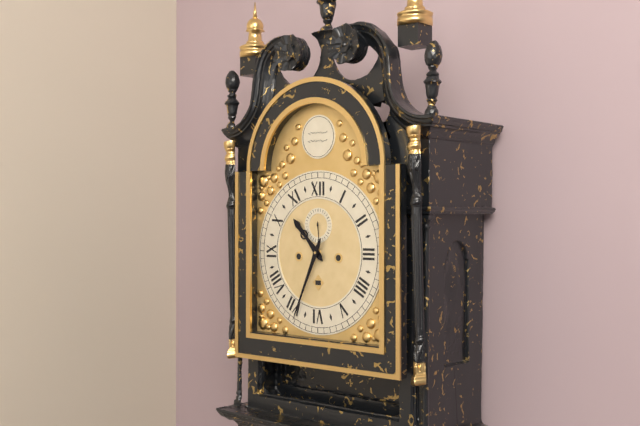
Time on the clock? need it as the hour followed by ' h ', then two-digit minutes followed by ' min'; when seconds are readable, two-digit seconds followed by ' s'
10 h 34 min
